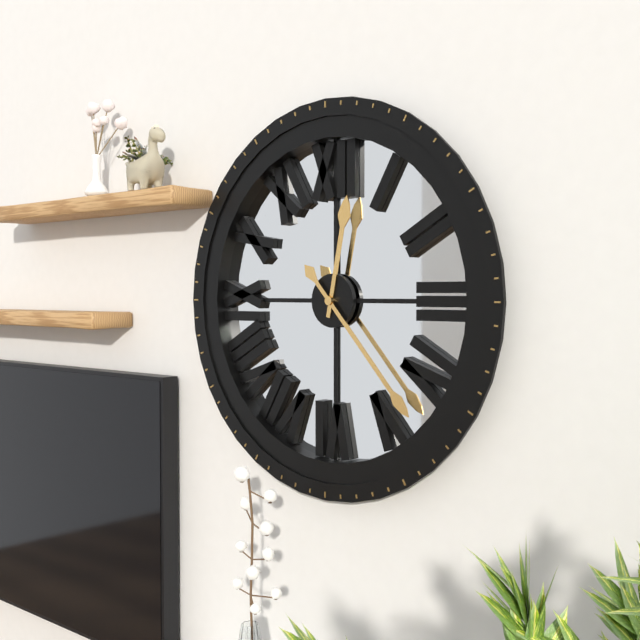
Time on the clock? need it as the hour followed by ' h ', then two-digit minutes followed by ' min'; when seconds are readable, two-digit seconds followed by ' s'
12 h 23 min
